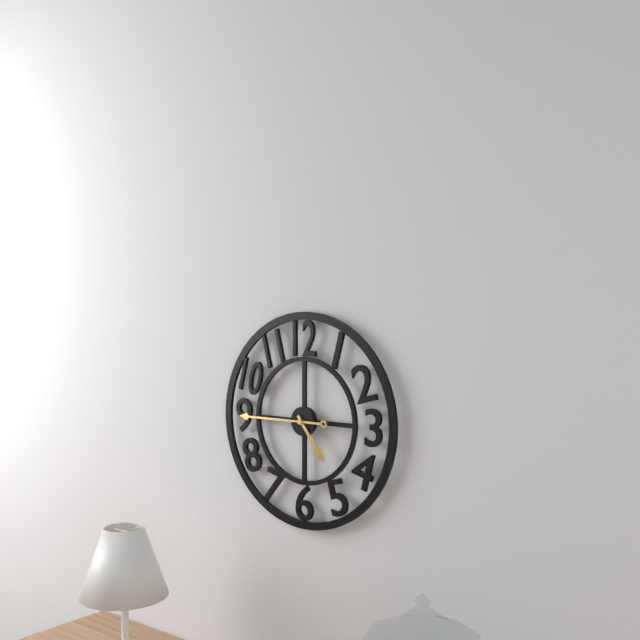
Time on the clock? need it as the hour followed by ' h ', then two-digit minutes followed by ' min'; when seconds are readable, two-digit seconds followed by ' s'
4 h 45 min
